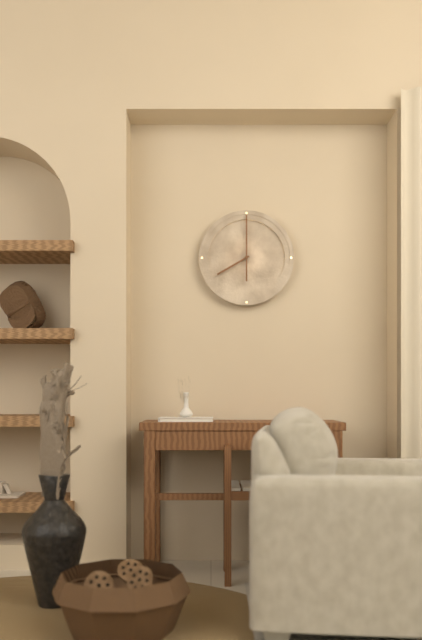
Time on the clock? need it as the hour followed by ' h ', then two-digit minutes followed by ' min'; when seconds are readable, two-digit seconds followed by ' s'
8 h 00 min
